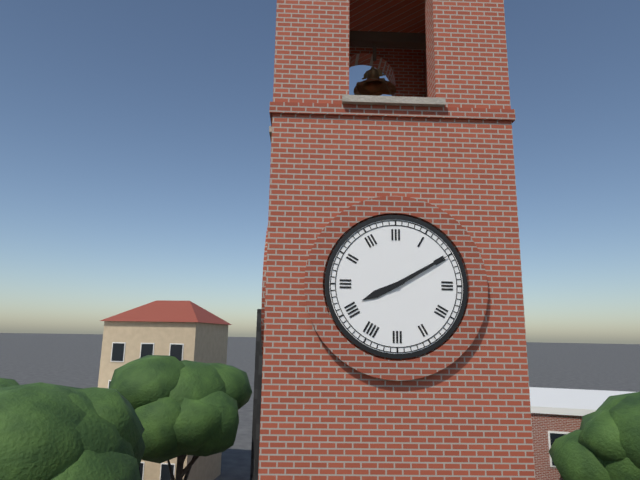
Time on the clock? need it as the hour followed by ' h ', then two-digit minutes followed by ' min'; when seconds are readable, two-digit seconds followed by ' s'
8 h 10 min
